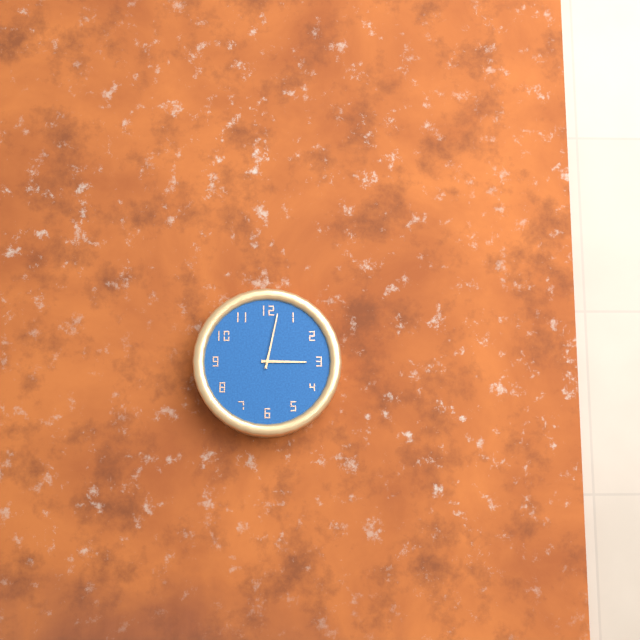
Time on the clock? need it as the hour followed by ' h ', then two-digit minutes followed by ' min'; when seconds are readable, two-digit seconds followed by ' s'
3 h 02 min
